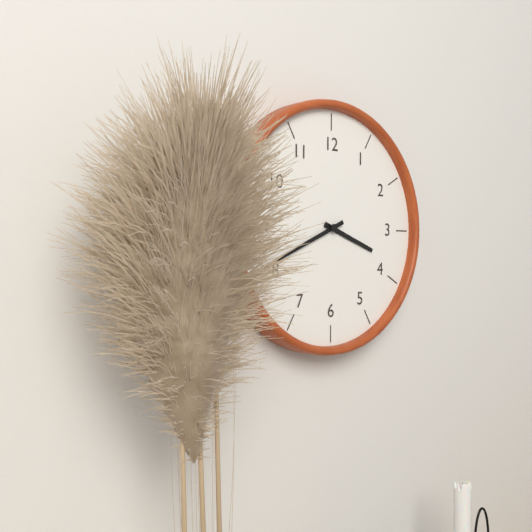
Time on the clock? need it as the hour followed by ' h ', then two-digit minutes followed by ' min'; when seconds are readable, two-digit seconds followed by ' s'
3 h 41 min
